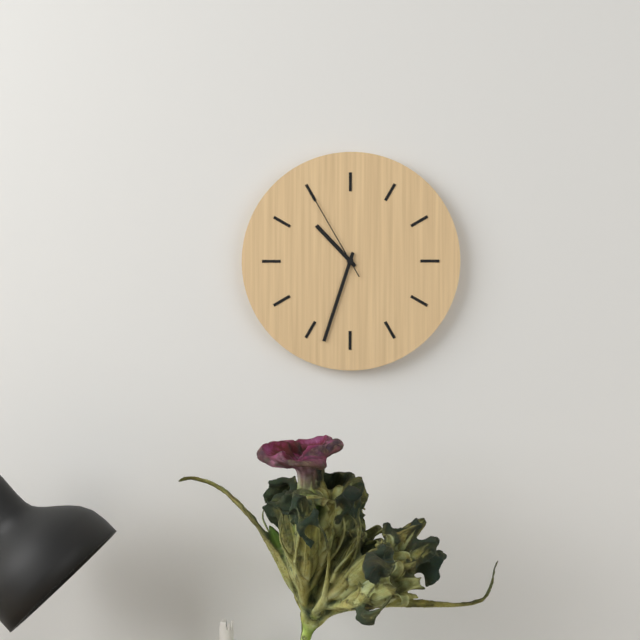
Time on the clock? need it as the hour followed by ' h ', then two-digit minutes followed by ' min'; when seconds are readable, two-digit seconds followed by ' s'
10 h 33 min 55 s
